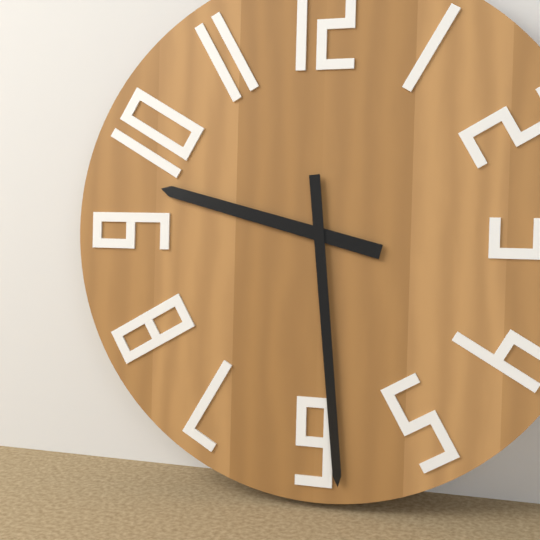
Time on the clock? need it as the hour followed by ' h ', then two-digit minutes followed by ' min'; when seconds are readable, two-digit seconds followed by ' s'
9 h 29 min
